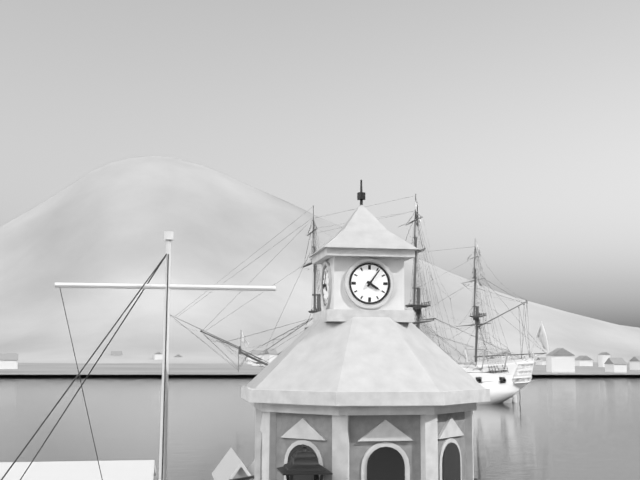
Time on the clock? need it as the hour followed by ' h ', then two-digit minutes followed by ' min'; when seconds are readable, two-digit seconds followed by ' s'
4 h 06 min
